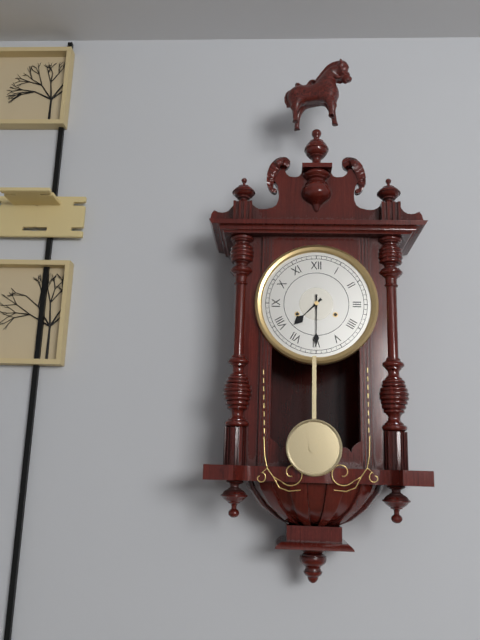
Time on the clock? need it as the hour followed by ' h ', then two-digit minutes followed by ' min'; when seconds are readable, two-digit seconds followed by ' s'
7 h 30 min
